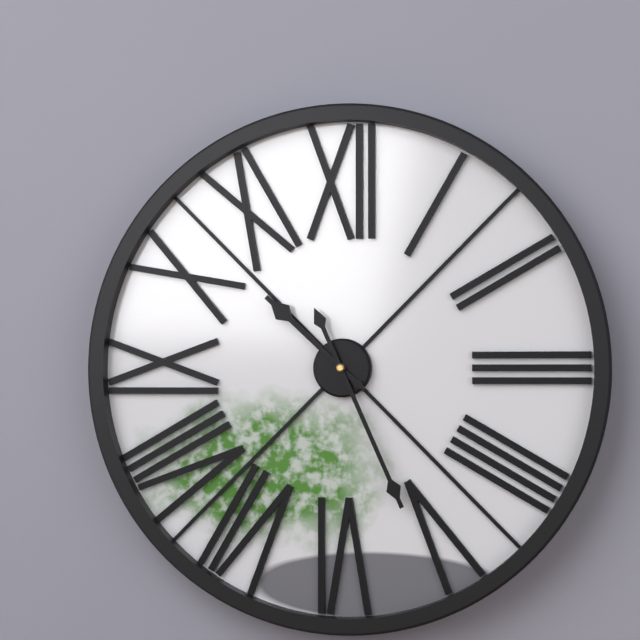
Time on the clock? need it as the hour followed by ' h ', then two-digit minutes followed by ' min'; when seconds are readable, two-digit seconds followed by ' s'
10 h 26 min
